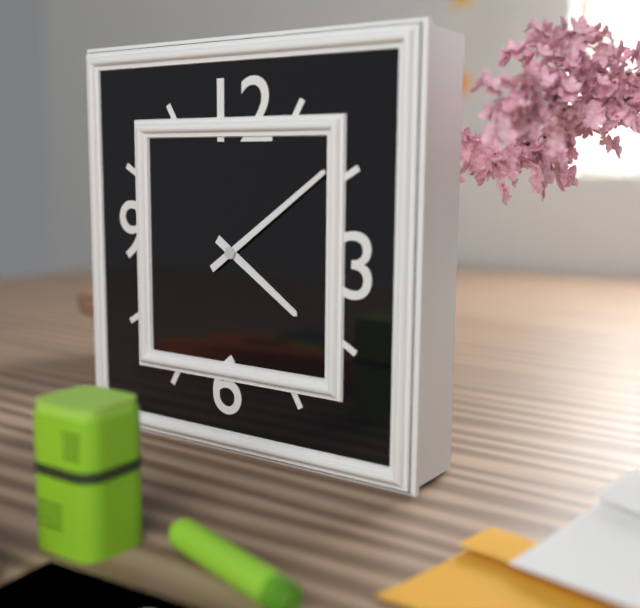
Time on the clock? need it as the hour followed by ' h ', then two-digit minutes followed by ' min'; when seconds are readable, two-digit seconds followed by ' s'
4 h 09 min
